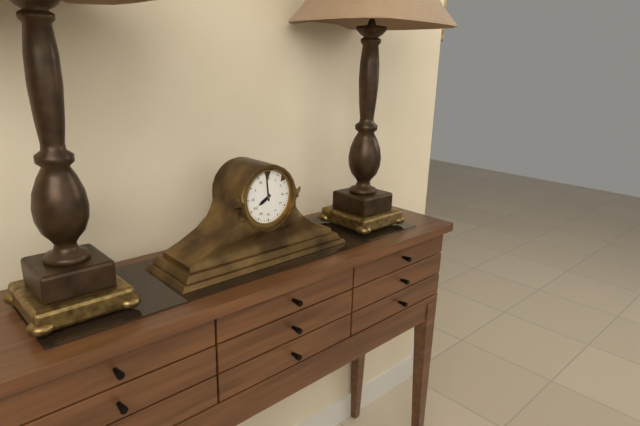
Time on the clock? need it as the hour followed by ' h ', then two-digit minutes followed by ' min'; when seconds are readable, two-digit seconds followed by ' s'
7 h 59 min
